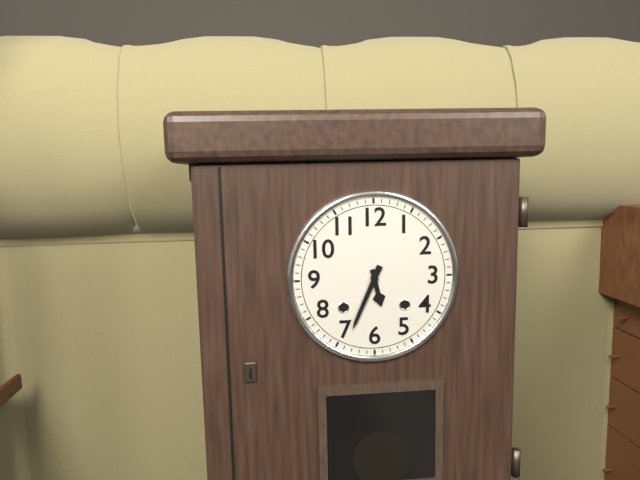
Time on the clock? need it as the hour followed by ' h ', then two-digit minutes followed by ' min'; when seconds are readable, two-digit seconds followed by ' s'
5 h 34 min
